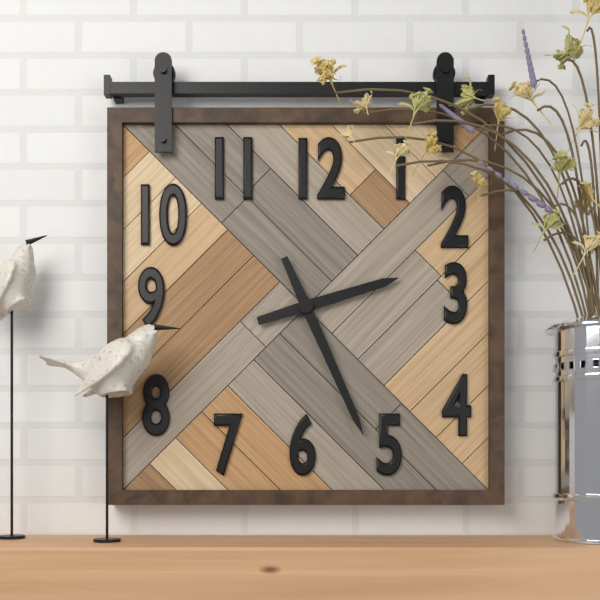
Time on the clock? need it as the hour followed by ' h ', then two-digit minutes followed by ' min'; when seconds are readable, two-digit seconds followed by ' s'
2 h 26 min
